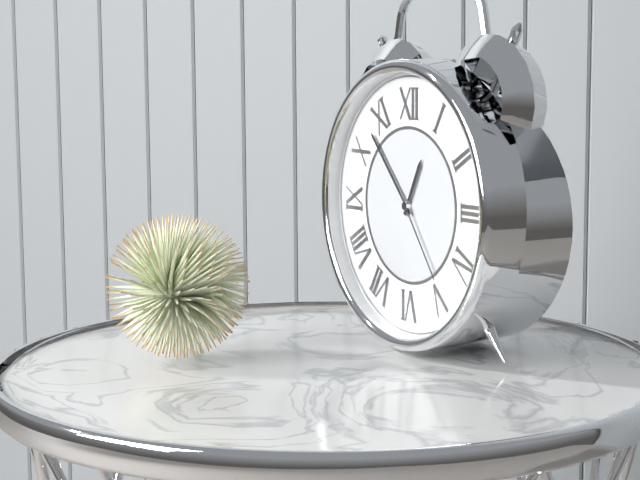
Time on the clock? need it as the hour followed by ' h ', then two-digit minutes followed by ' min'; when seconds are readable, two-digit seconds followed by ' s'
12 h 53 min 24 s
